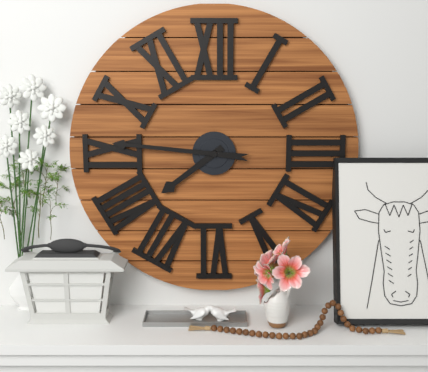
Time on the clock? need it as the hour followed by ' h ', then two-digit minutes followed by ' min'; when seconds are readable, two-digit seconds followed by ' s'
7 h 46 min
